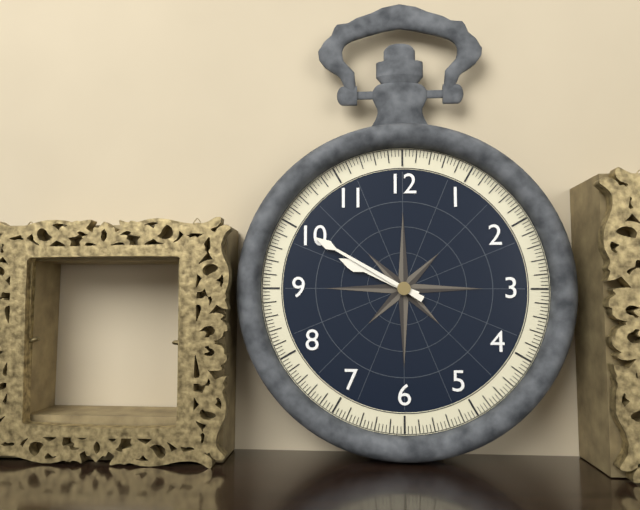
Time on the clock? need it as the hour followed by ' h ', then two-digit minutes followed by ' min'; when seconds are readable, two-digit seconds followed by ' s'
9 h 50 min
